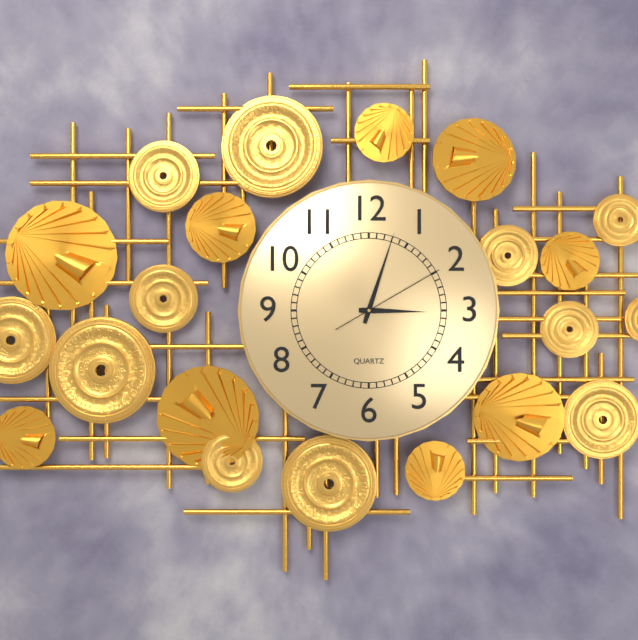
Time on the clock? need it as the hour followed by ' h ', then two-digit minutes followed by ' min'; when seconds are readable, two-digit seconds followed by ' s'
3 h 03 min 10 s
